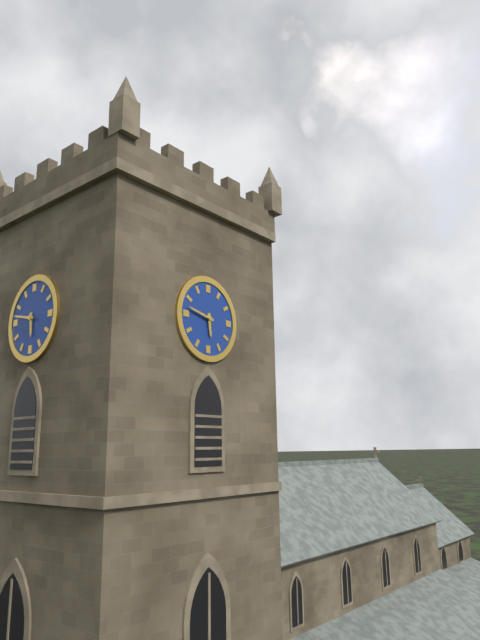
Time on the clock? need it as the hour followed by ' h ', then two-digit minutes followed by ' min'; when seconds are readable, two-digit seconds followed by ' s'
5 h 47 min
